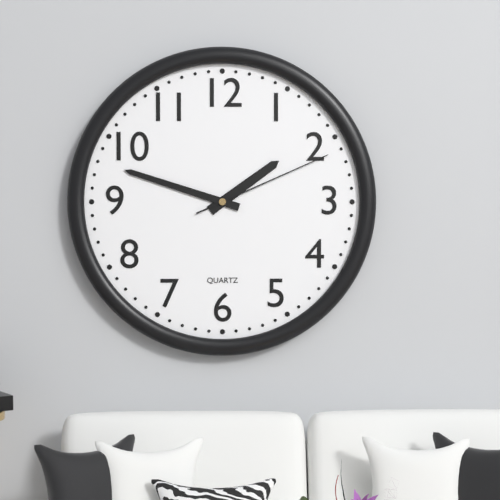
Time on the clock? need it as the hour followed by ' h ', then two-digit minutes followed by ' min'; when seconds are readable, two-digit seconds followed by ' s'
1 h 48 min 11 s
